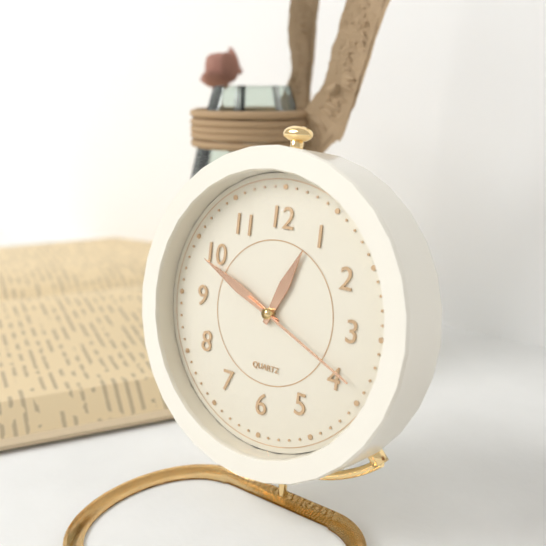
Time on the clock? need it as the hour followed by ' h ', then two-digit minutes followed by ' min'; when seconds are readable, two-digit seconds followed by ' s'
12 h 49 min 19 s
